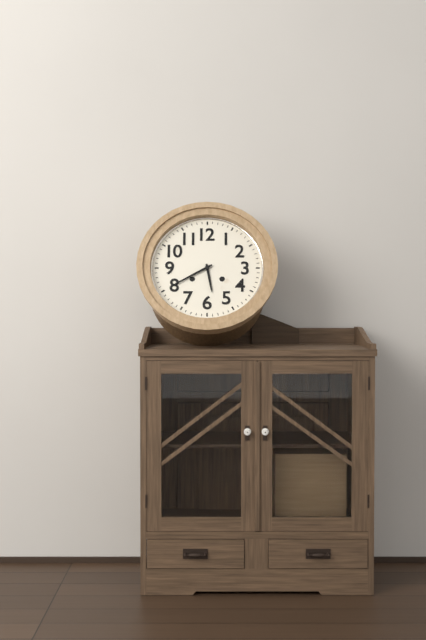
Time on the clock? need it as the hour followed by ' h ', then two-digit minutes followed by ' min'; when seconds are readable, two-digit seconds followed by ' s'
5 h 40 min
